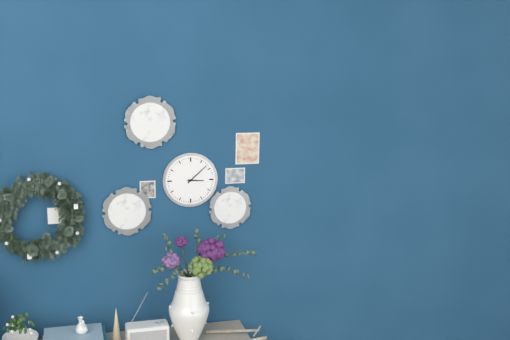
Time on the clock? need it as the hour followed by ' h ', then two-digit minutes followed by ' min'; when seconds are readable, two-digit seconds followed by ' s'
3 h 08 min
